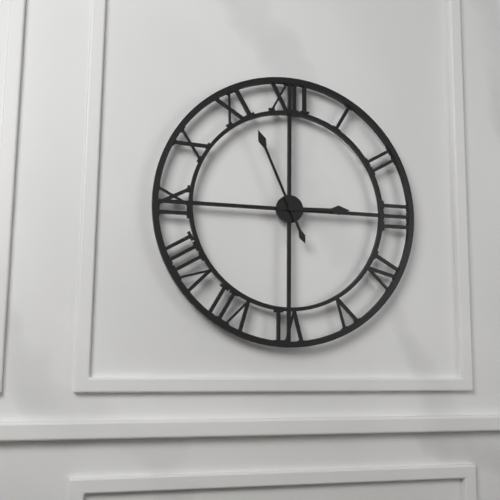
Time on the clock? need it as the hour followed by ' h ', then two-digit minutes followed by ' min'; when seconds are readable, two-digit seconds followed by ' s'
2 h 56 min
